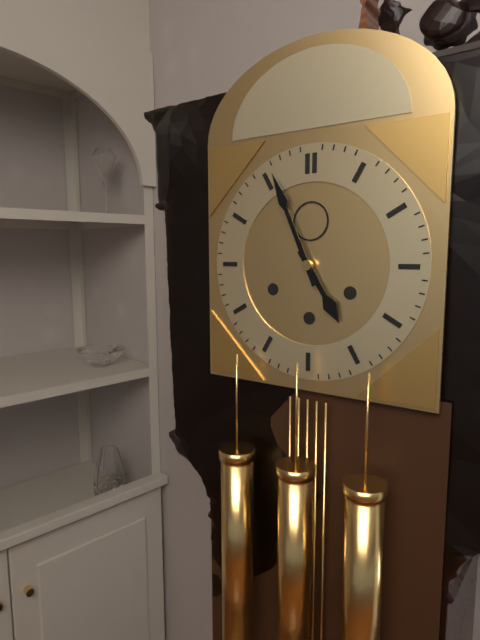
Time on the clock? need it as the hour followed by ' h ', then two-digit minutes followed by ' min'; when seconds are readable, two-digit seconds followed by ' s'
4 h 56 min
